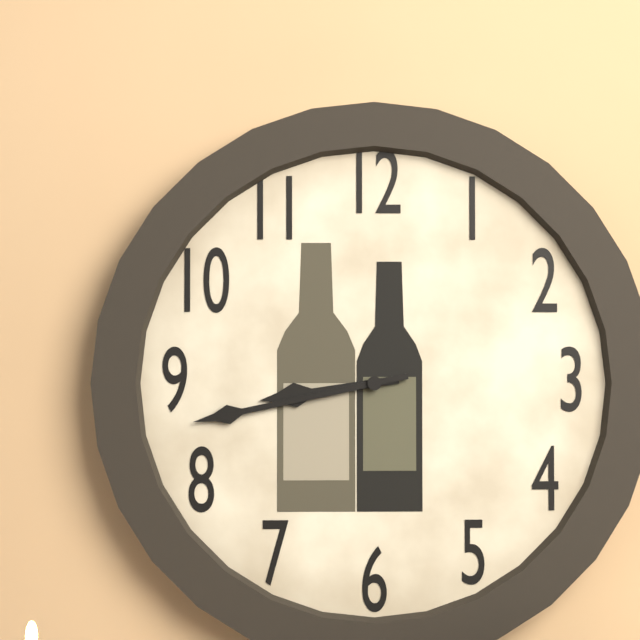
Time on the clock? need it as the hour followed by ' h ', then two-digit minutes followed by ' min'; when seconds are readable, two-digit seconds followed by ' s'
8 h 43 min
